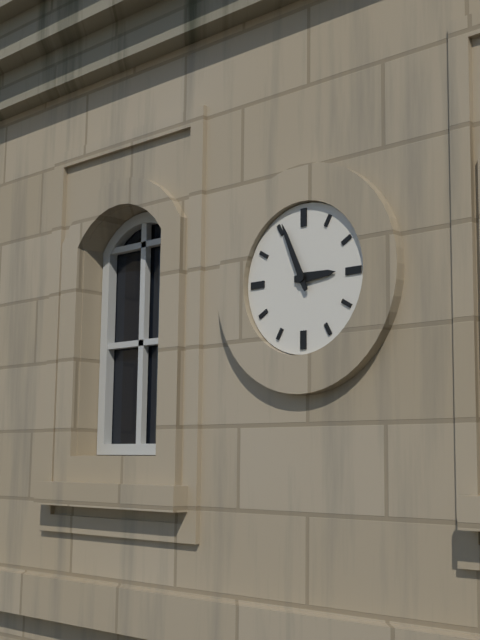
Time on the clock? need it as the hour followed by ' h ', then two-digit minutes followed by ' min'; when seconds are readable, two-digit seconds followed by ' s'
2 h 56 min
